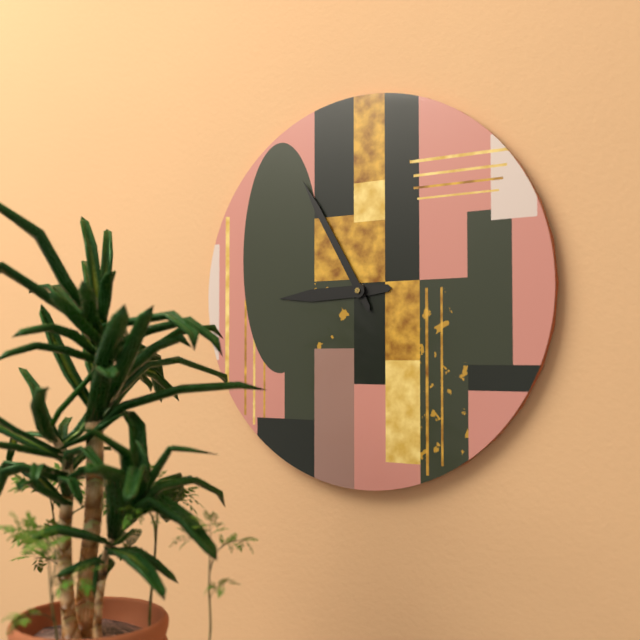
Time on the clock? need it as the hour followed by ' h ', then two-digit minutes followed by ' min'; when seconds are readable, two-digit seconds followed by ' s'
8 h 55 min
